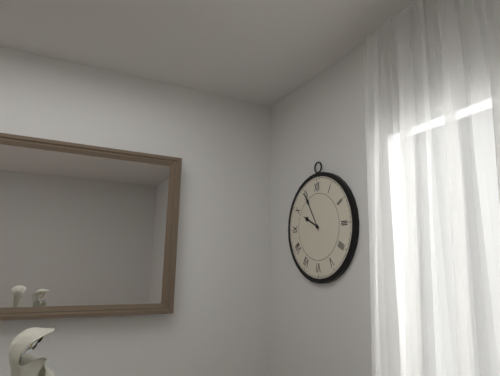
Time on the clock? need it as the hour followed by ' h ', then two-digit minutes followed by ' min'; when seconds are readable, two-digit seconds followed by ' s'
9 h 55 min
